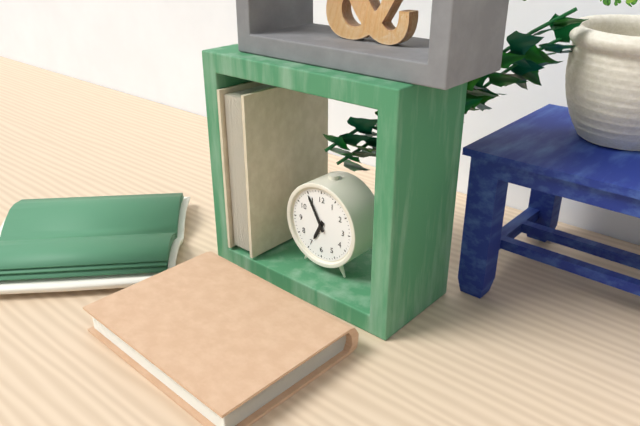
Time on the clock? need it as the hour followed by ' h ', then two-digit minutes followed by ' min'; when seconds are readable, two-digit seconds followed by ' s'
6 h 55 min
